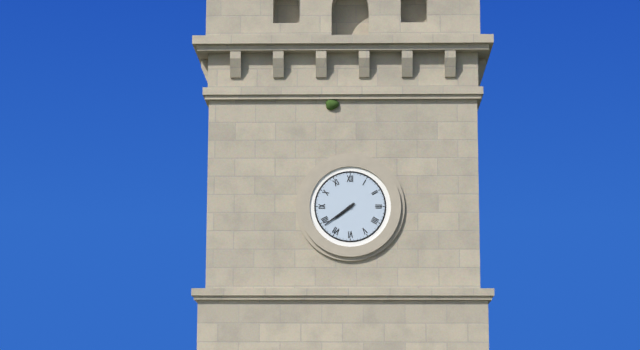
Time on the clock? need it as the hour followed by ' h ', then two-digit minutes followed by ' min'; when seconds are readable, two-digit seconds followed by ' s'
7 h 39 min
